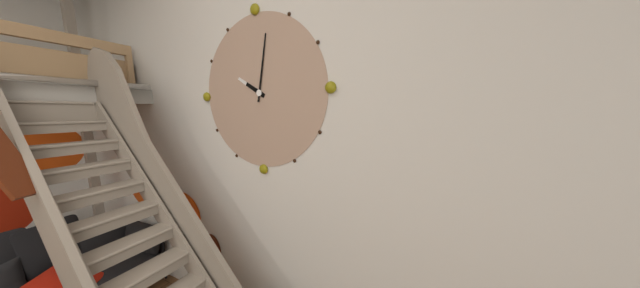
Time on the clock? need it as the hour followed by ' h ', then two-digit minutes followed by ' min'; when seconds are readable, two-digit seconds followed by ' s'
10 h 02 min
